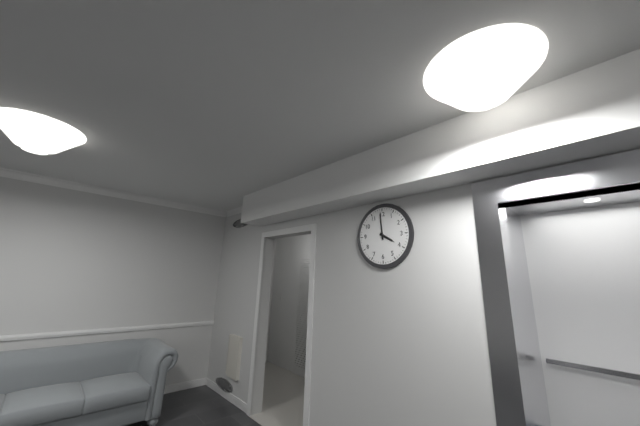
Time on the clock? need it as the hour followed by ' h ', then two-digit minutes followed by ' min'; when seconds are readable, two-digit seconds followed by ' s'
3 h 59 min
